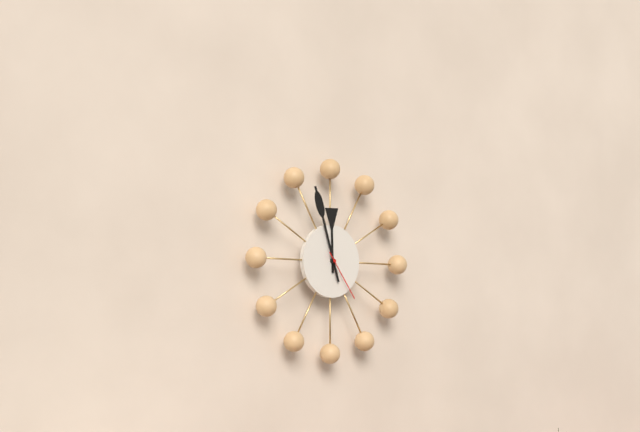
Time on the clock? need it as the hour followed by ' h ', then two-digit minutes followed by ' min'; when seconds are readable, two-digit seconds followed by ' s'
11 h 57 min 24 s
